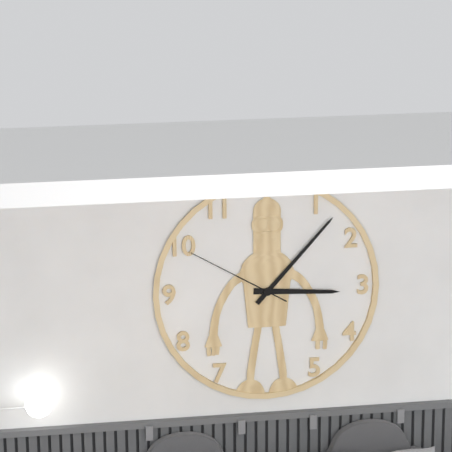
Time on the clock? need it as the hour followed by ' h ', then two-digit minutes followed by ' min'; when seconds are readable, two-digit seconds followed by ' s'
3 h 07 min 50 s
